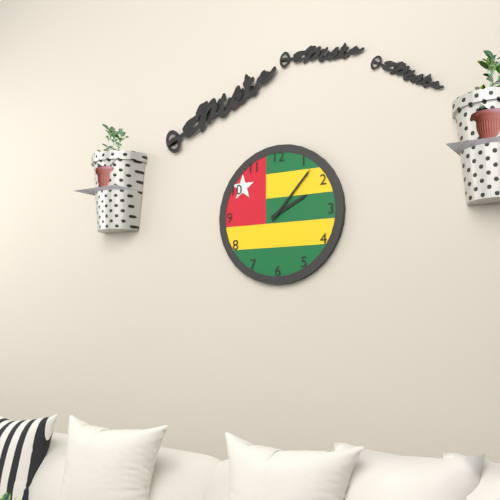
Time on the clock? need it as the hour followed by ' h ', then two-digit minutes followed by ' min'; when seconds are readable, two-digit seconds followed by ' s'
2 h 07 min
